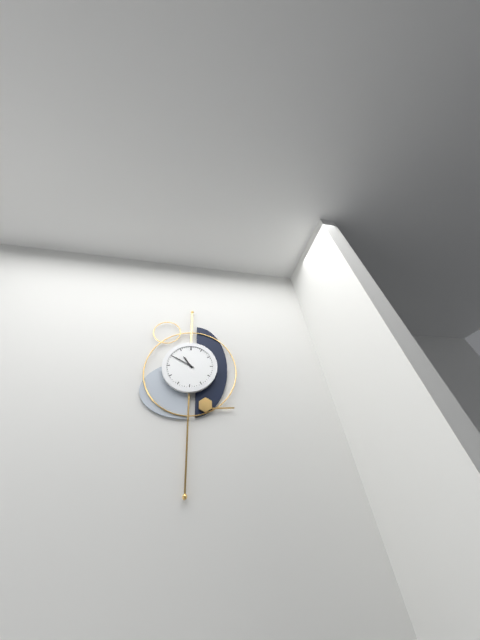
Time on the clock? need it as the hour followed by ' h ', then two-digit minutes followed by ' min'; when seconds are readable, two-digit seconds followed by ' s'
10 h 50 min
